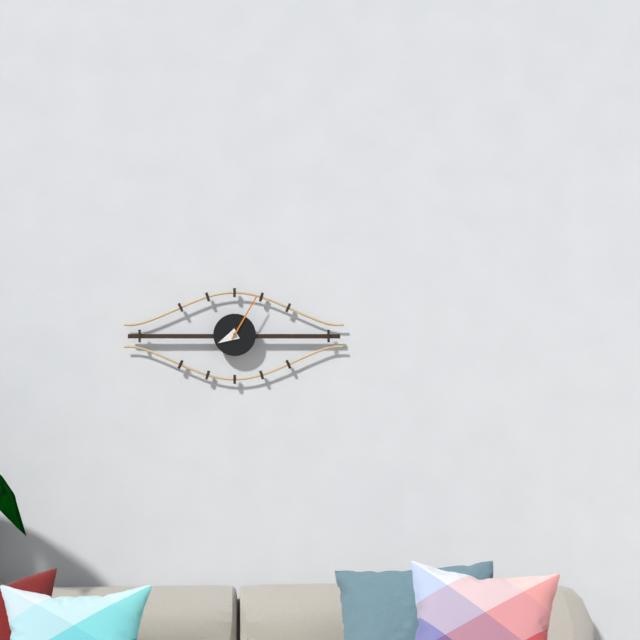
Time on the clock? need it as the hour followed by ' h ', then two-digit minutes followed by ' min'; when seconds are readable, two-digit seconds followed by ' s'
8 h 05 min
